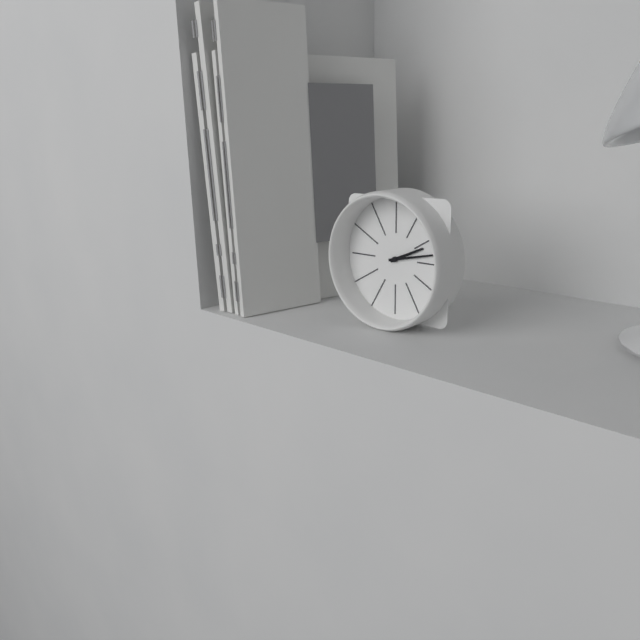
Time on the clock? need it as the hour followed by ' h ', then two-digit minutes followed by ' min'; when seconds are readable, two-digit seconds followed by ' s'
2 h 13 min
